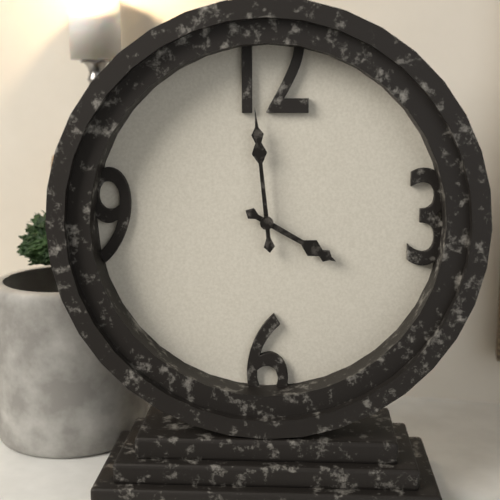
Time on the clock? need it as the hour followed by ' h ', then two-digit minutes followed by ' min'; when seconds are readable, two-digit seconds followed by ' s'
3 h 59 min
